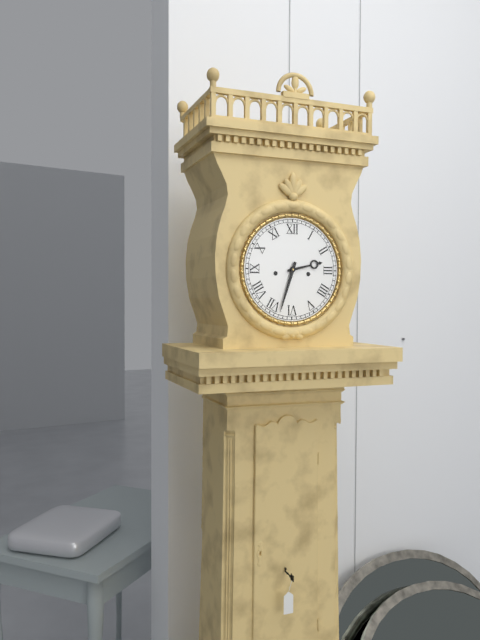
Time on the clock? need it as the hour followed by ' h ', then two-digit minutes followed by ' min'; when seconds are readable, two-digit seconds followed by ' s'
2 h 33 min
